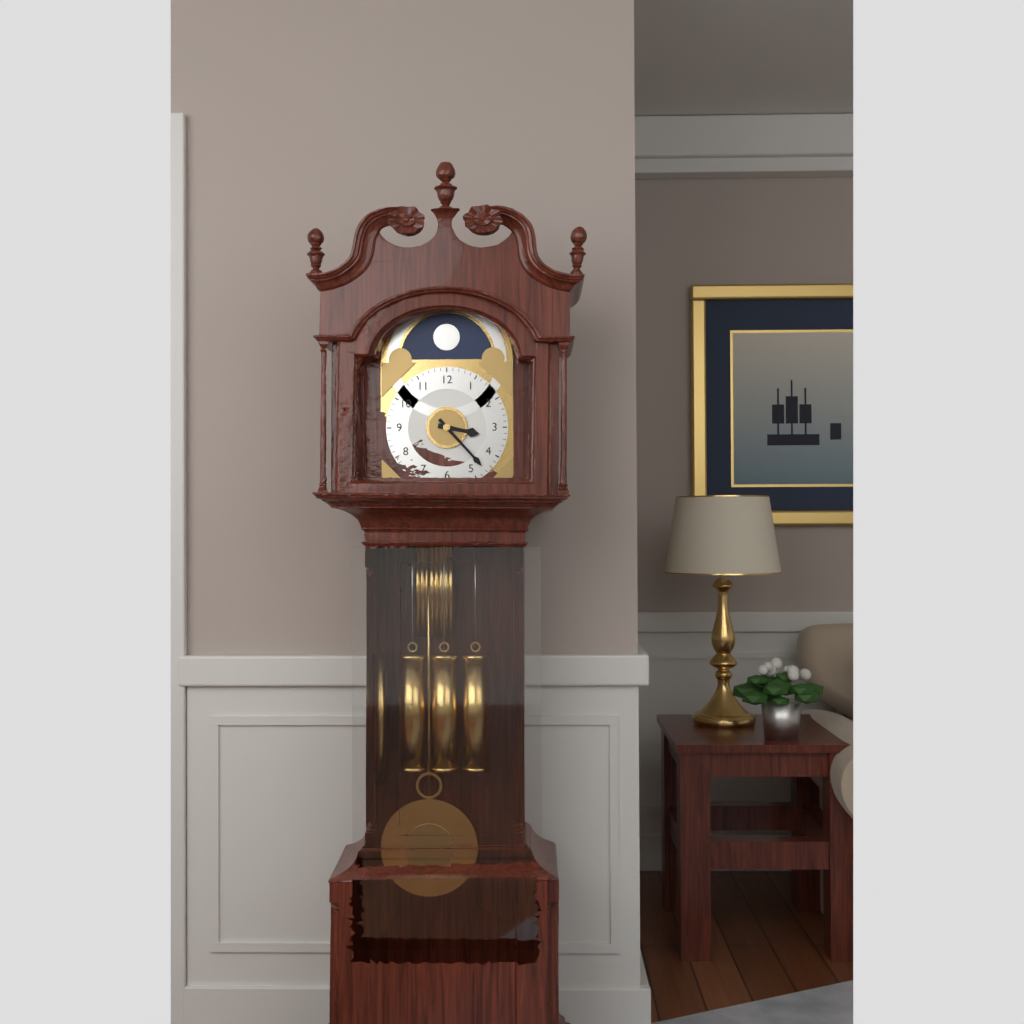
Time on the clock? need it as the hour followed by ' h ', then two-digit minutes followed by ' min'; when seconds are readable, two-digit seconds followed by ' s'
3 h 23 min
